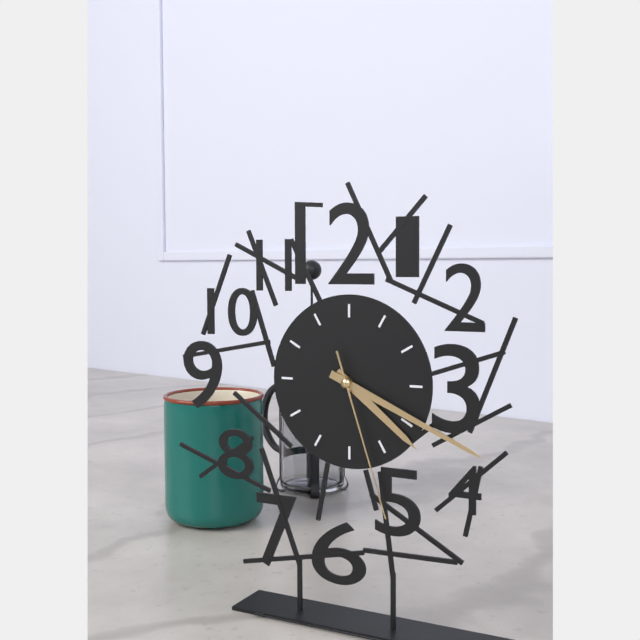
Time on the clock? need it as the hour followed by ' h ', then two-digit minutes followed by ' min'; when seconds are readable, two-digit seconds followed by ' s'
4 h 19 min 27 s
